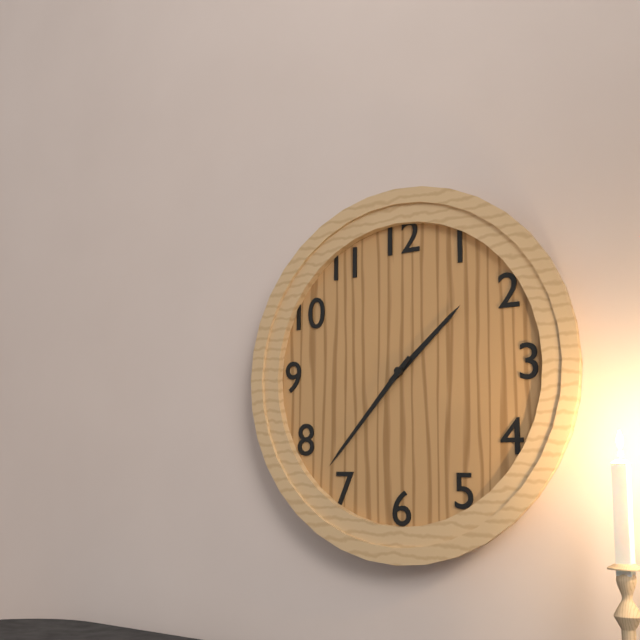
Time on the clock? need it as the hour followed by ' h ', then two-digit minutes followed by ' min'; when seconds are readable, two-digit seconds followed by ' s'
1 h 37 min
